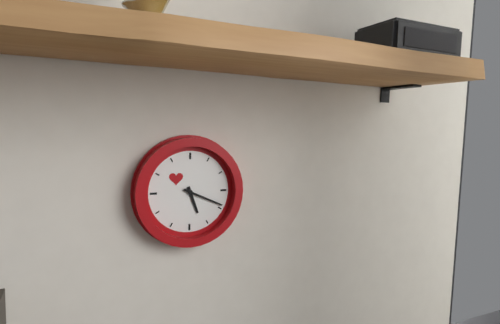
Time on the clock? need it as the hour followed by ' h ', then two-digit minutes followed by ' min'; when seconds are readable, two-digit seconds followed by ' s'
5 h 19 min
